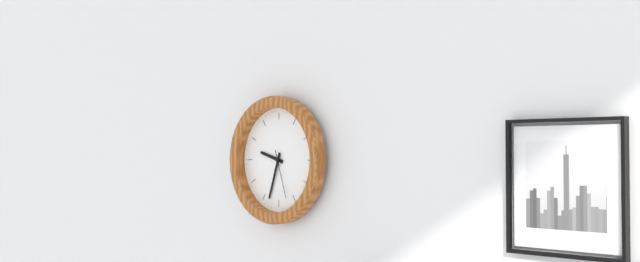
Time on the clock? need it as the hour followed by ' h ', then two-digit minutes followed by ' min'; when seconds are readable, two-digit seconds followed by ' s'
9 h 33 min
